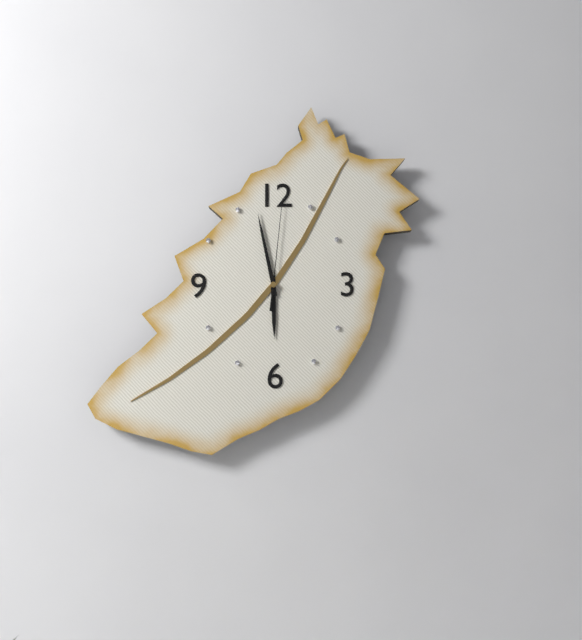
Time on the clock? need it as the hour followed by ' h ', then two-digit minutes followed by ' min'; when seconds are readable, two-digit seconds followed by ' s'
5 h 58 min 01 s
